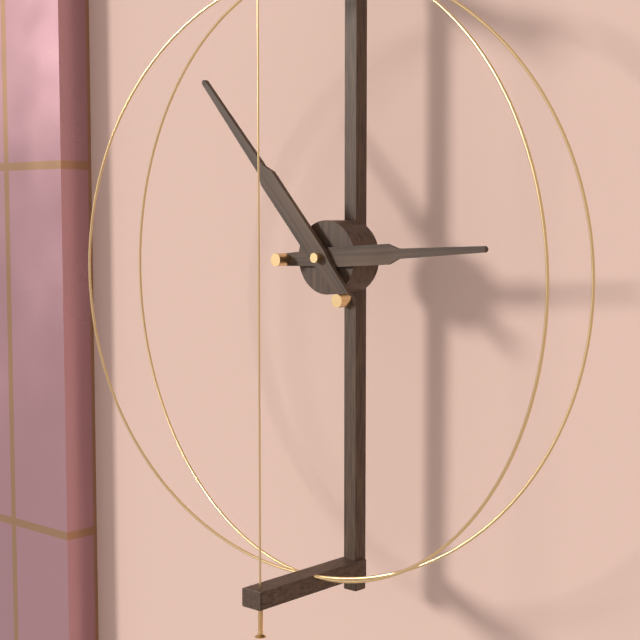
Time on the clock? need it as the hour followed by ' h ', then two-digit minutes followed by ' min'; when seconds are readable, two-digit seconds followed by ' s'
2 h 53 min
